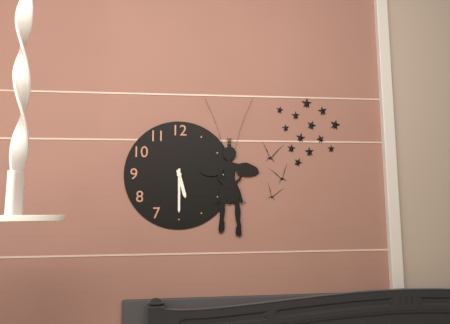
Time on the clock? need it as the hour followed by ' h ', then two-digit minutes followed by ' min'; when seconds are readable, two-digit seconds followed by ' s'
5 h 30 min
